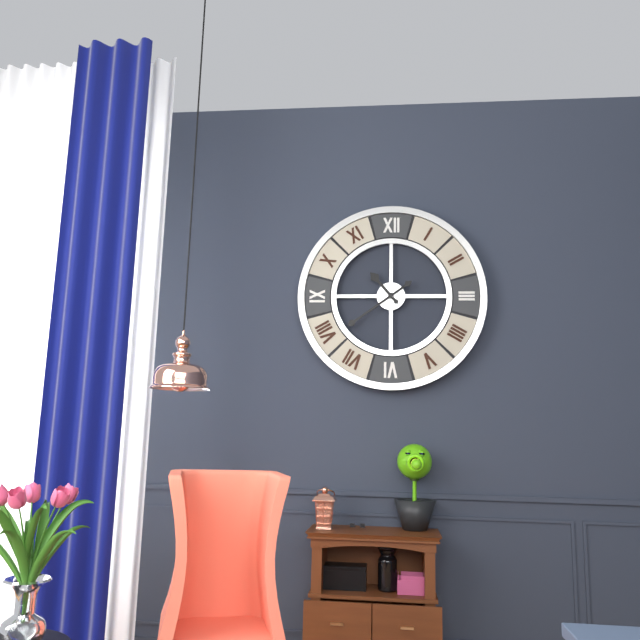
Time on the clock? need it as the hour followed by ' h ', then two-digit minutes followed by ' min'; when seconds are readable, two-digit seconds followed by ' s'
10 h 39 min
